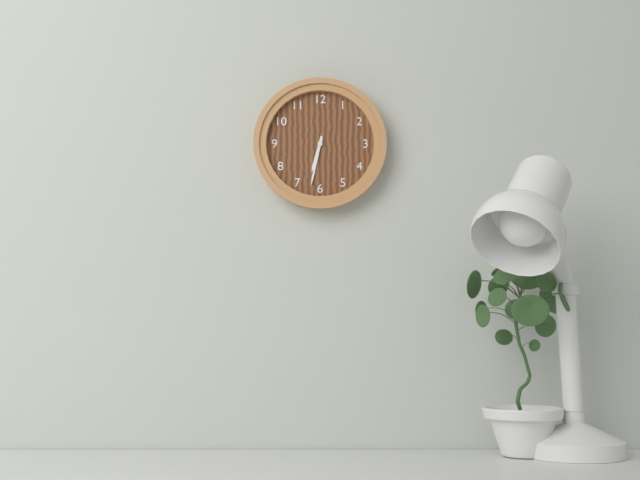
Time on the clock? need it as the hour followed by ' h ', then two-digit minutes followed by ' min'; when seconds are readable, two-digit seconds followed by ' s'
6 h 32 min
